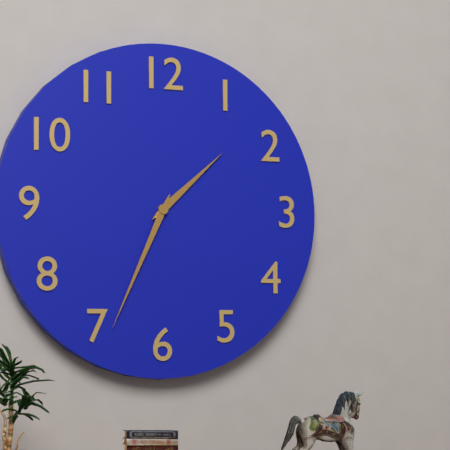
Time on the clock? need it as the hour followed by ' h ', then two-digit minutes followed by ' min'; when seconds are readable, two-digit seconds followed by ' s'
1 h 34 min
